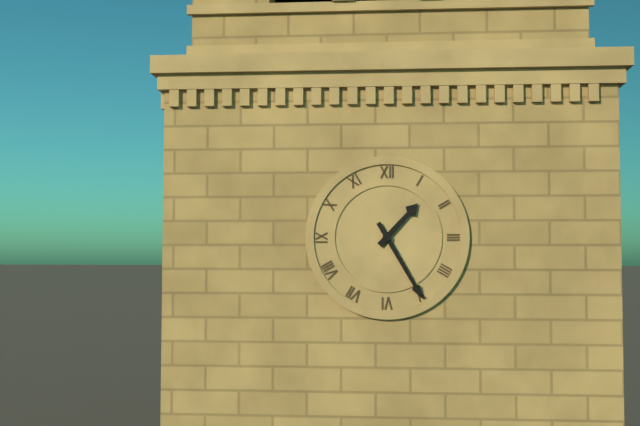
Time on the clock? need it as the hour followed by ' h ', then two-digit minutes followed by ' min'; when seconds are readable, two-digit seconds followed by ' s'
1 h 25 min
